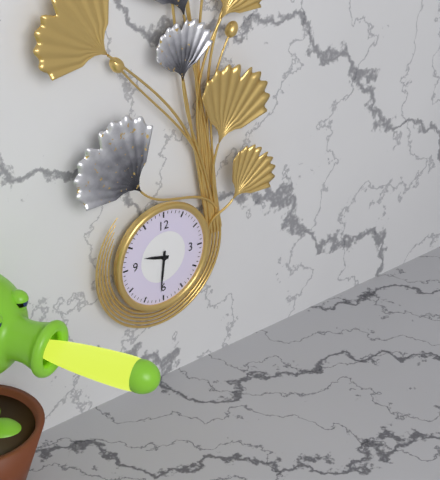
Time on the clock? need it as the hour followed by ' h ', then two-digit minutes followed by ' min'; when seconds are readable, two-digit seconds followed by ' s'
9 h 31 min
